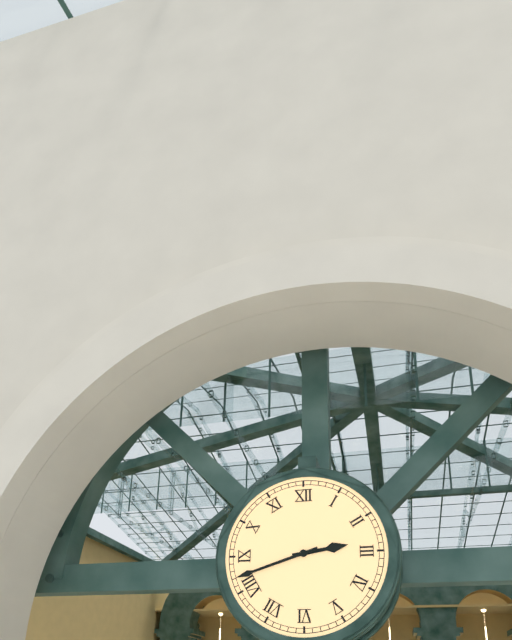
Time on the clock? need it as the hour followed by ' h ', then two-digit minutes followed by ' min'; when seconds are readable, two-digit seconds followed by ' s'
2 h 42 min
